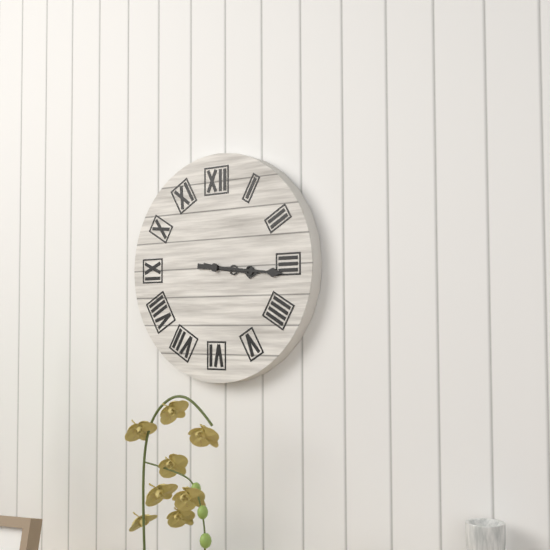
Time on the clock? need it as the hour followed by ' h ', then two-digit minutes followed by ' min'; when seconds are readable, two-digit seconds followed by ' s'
3 h 16 min
